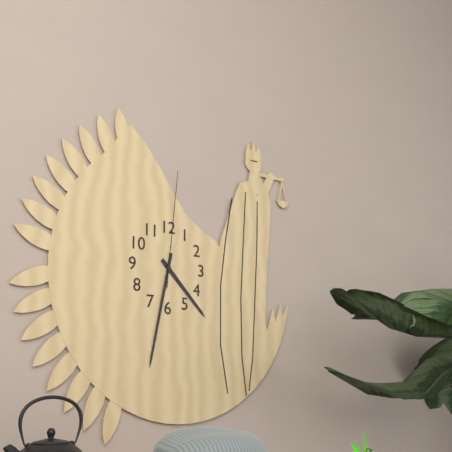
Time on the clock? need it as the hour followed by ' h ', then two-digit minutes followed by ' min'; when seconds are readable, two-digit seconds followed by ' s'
4 h 32 min 01 s
